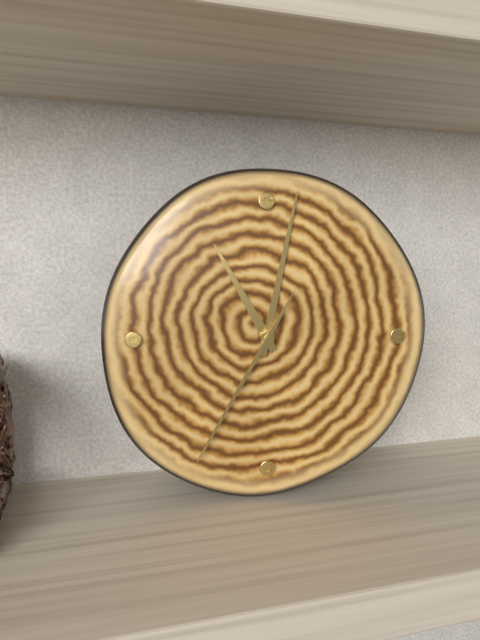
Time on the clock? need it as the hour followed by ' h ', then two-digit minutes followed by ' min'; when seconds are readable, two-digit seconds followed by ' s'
11 h 02 min 35 s
